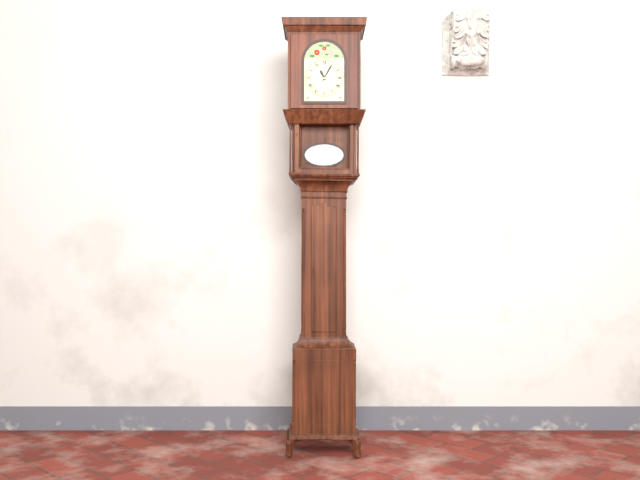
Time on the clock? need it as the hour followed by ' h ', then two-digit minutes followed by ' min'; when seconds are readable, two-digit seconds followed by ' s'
11 h 05 min
